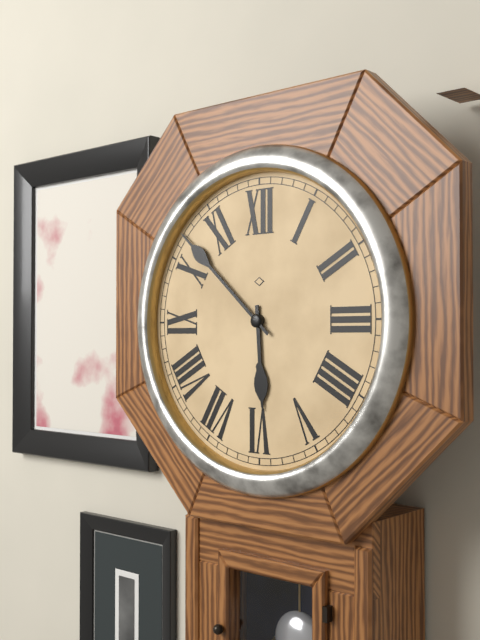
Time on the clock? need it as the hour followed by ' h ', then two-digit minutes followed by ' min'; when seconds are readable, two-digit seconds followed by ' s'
5 h 52 min
